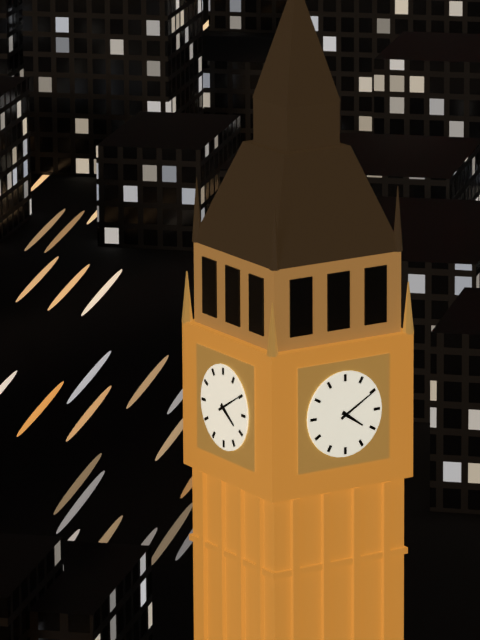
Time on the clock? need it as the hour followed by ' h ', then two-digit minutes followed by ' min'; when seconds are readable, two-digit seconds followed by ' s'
4 h 10 min
